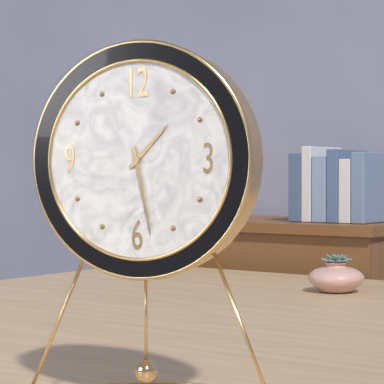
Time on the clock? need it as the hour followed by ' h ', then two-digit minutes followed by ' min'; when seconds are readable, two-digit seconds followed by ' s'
1 h 28 min
